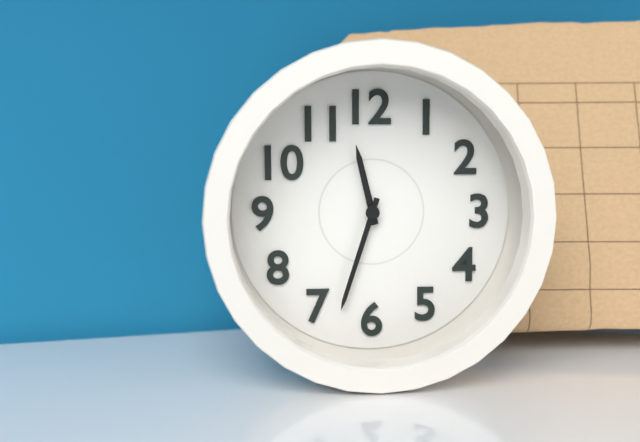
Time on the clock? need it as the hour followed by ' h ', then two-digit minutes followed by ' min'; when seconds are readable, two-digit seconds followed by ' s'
11 h 33 min
